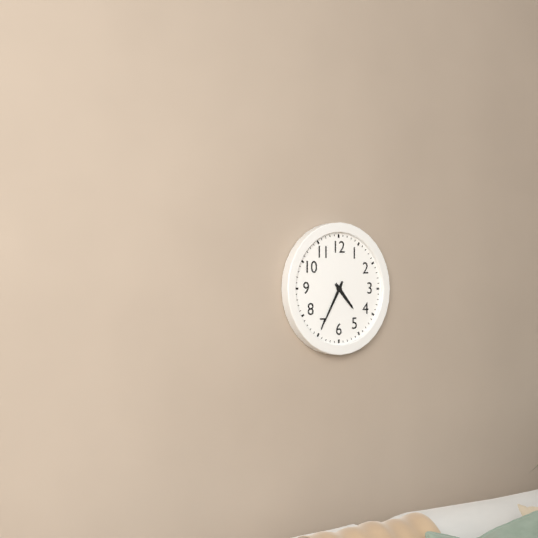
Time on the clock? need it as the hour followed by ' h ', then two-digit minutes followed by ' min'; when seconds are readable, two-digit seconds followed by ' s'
4 h 35 min
